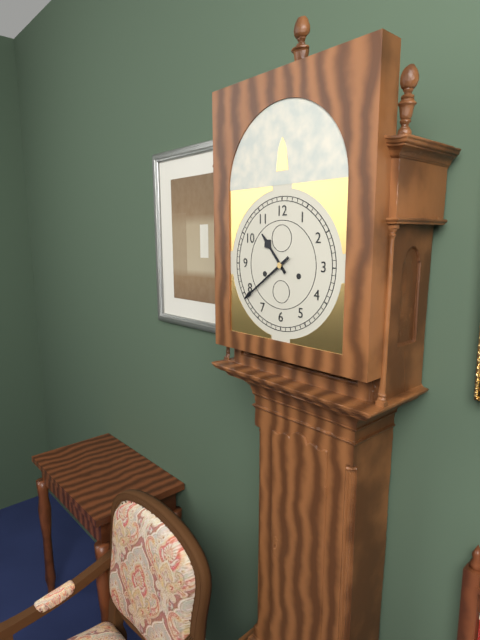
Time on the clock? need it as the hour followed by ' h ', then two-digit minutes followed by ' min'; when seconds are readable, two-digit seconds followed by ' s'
10 h 39 min
